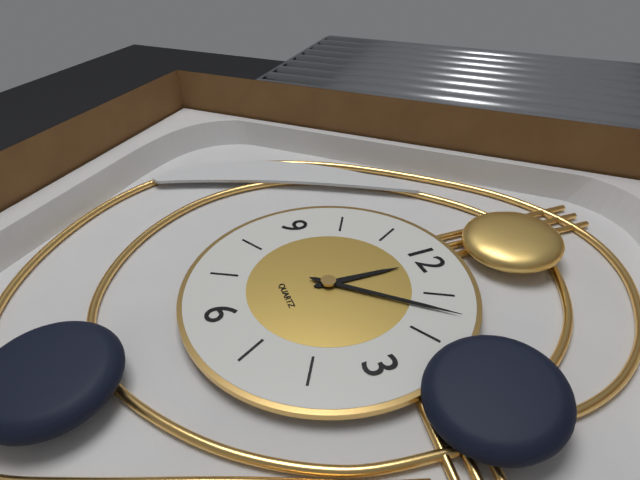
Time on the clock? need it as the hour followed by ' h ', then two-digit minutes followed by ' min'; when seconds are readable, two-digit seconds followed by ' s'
12 h 07 min
